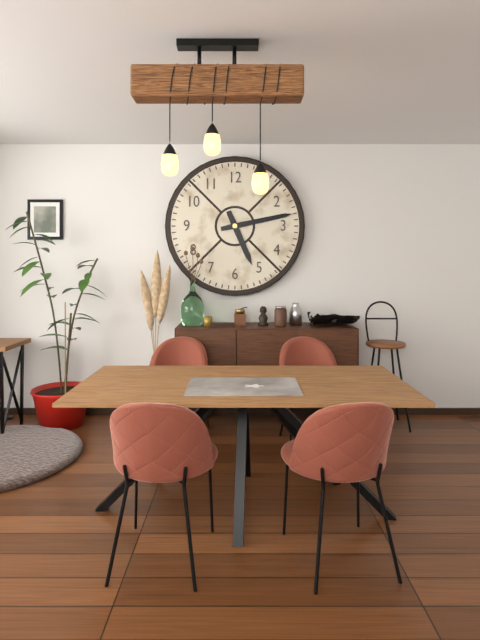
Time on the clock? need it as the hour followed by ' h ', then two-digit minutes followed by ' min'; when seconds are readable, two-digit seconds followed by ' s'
5 h 13 min
